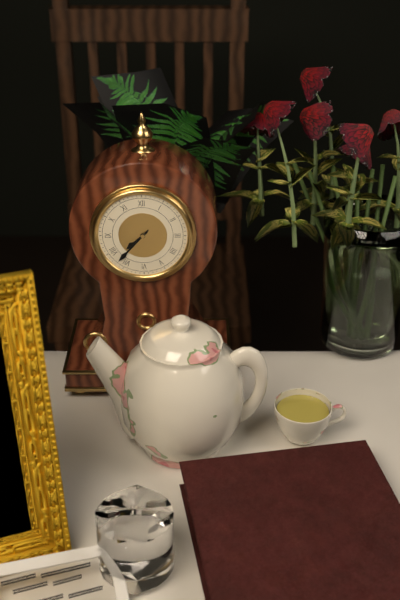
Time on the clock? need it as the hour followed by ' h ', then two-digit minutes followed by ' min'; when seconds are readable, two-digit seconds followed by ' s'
7 h 37 min
